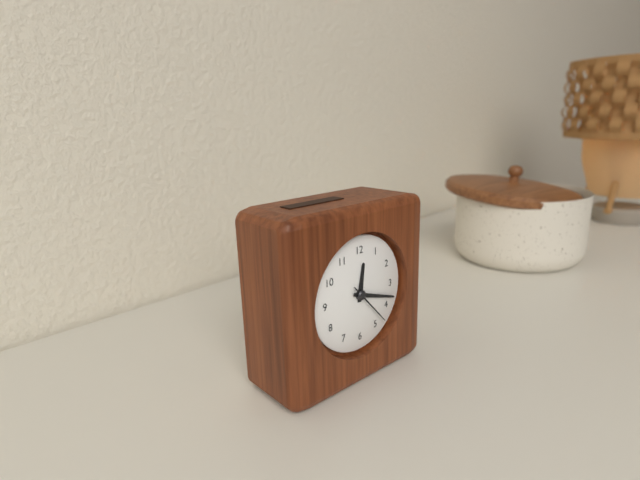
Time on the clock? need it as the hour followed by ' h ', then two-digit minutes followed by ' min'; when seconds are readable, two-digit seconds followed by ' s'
12 h 18 min
